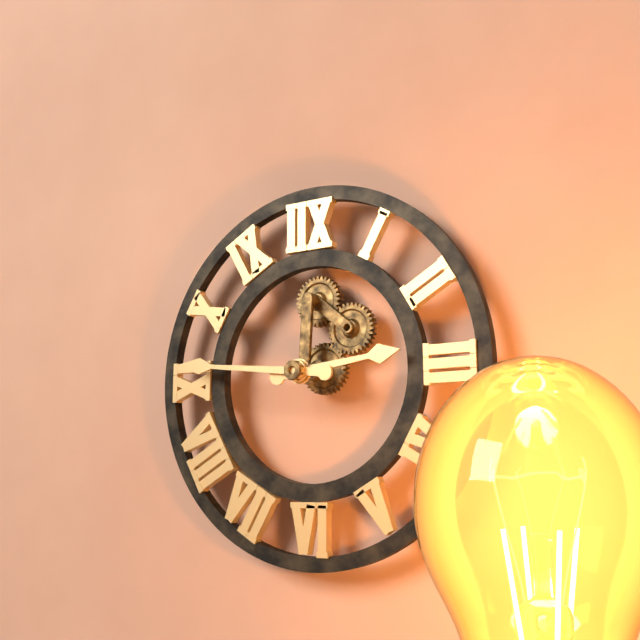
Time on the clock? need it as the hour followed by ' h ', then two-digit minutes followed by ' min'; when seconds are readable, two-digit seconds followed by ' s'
2 h 46 min
